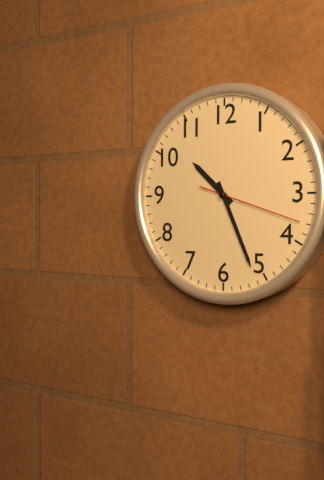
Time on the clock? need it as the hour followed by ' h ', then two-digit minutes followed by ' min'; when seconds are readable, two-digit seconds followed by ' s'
10 h 26 min 18 s
